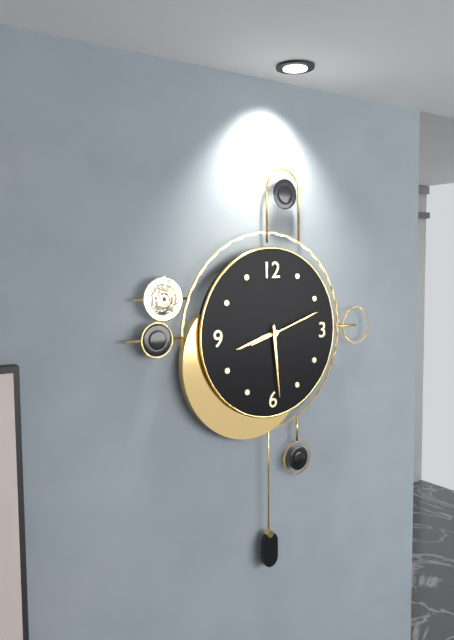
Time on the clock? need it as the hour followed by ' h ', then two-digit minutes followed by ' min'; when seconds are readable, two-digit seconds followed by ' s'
8 h 29 min 12 s
